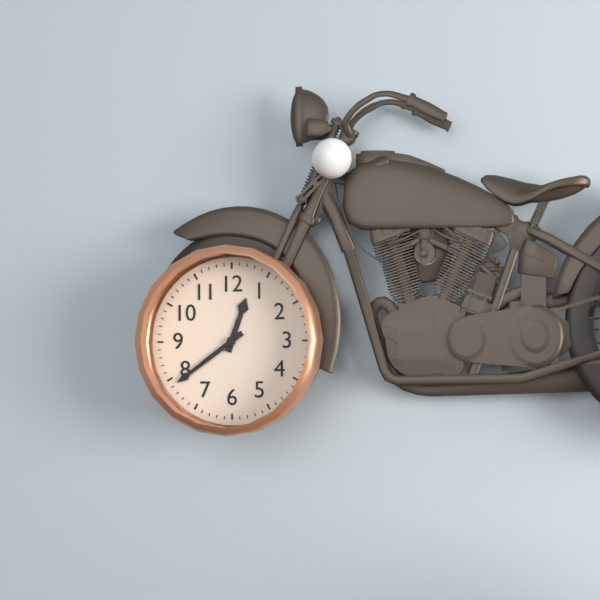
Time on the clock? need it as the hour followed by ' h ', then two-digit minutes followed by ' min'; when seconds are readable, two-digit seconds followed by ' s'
12 h 39 min
